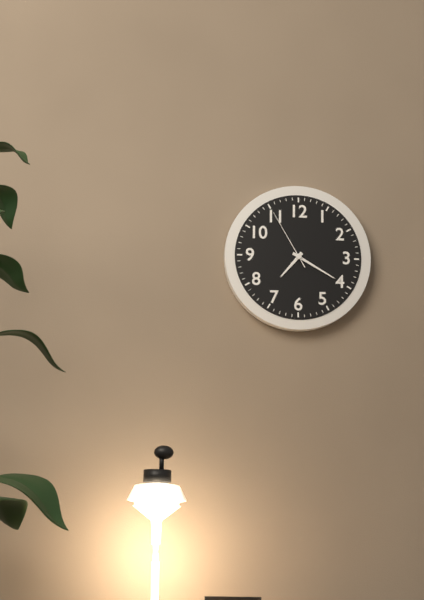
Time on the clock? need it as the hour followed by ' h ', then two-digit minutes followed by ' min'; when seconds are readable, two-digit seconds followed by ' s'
7 h 20 min 55 s
